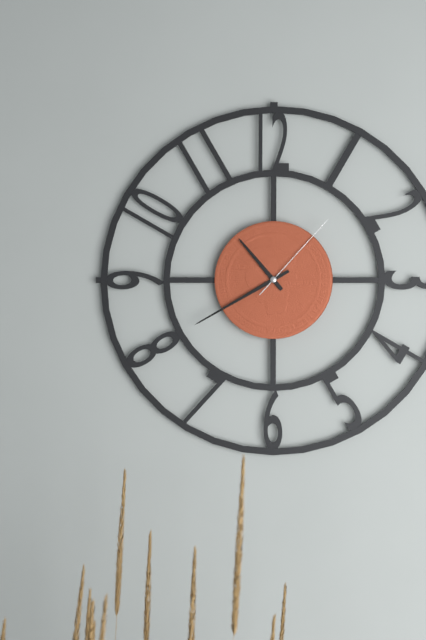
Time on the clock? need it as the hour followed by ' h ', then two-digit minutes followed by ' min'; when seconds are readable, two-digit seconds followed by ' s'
10 h 40 min 07 s
